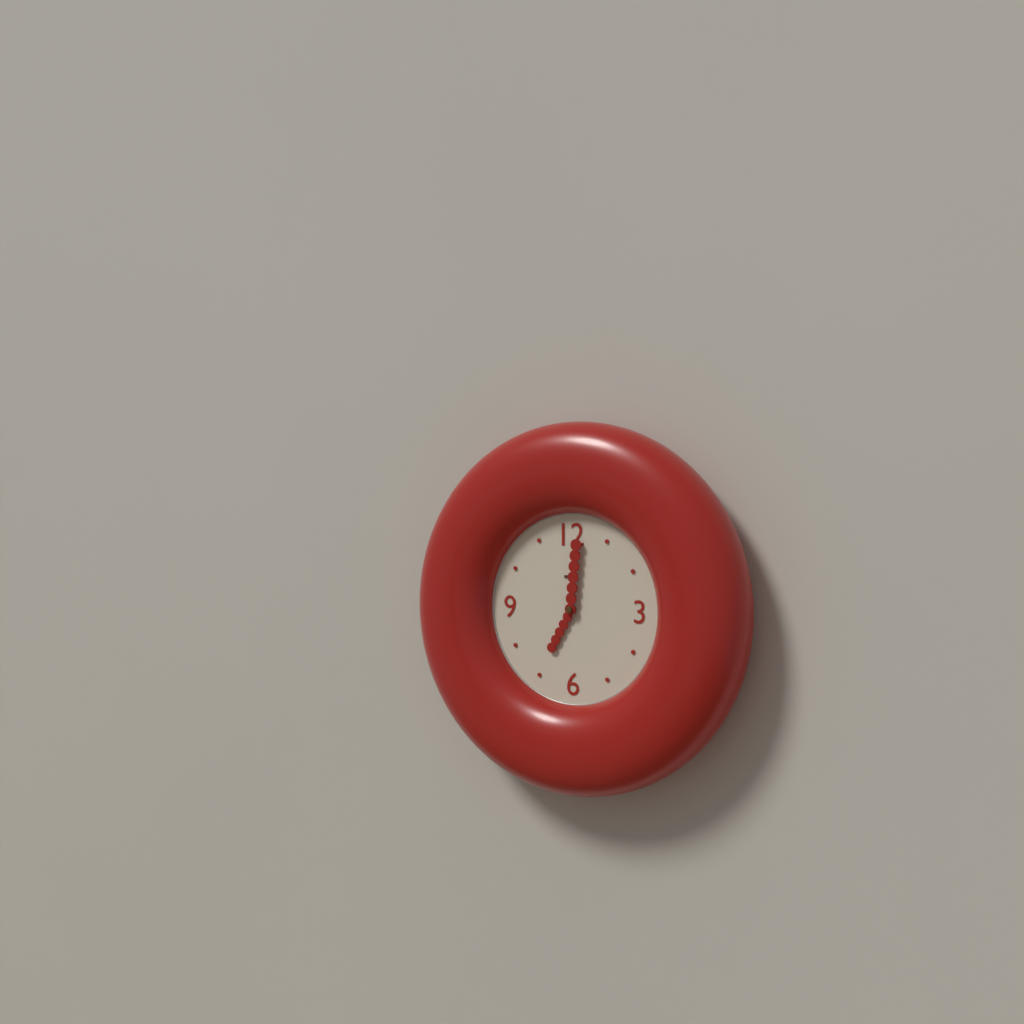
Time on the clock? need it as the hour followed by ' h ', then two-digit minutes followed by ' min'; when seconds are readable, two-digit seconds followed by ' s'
7 h 01 min
